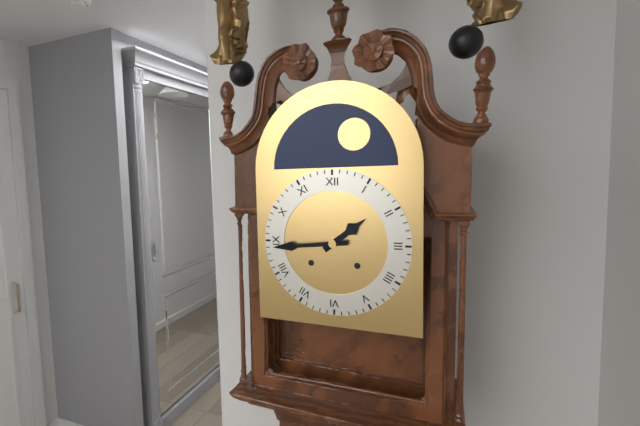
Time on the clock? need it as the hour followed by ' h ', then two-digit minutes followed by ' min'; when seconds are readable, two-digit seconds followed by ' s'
1 h 44 min
